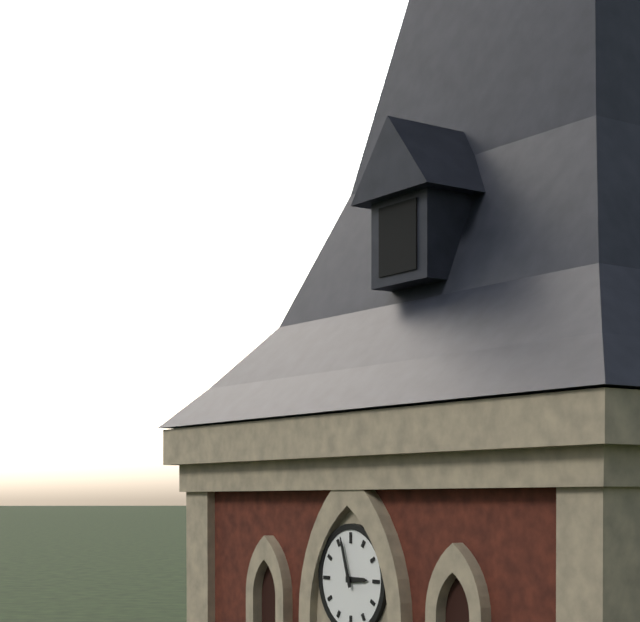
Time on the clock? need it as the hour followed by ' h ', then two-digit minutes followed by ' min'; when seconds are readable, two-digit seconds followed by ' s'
2 h 57 min
